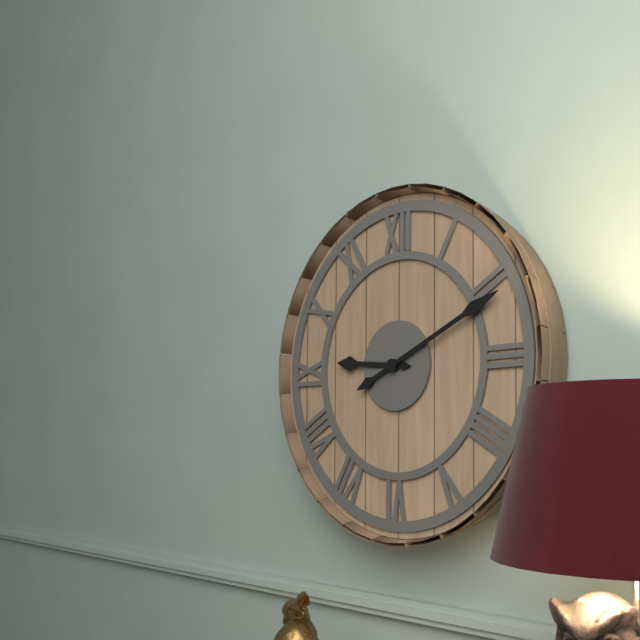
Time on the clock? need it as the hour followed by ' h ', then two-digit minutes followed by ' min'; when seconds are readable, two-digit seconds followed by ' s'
9 h 11 min
